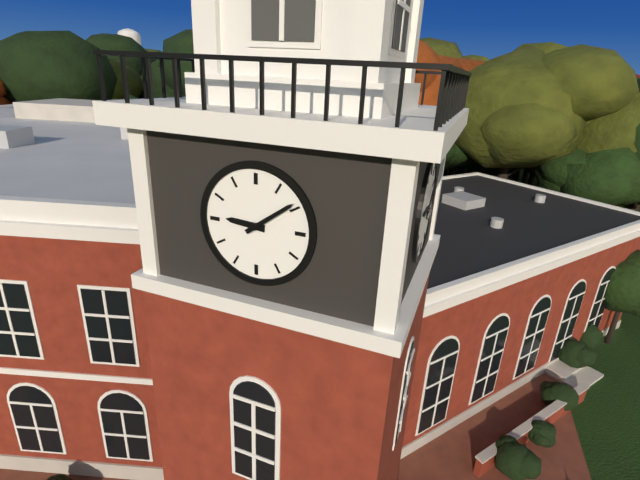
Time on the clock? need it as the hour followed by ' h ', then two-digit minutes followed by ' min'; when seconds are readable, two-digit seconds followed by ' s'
9 h 09 min
